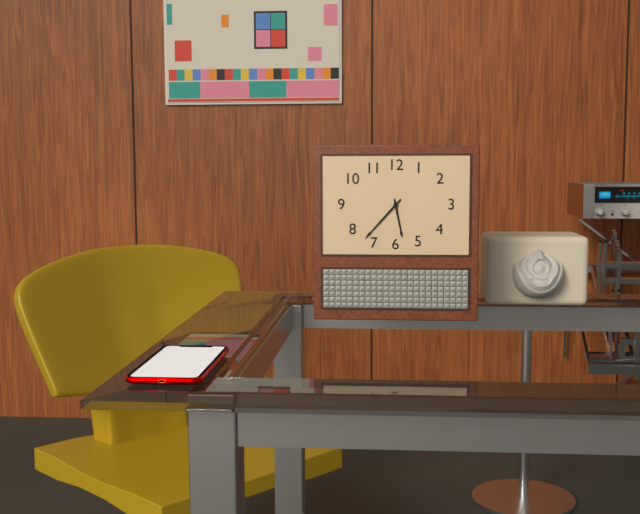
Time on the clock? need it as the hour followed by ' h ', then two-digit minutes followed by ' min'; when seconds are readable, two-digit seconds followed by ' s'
5 h 37 min
